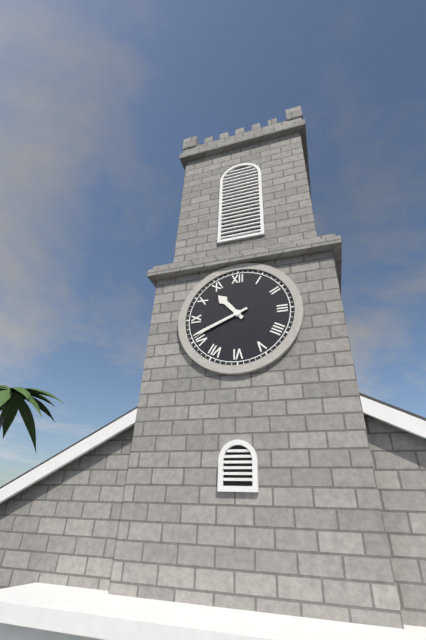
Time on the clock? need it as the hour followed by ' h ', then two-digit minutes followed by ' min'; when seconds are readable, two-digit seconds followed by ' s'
10 h 41 min
